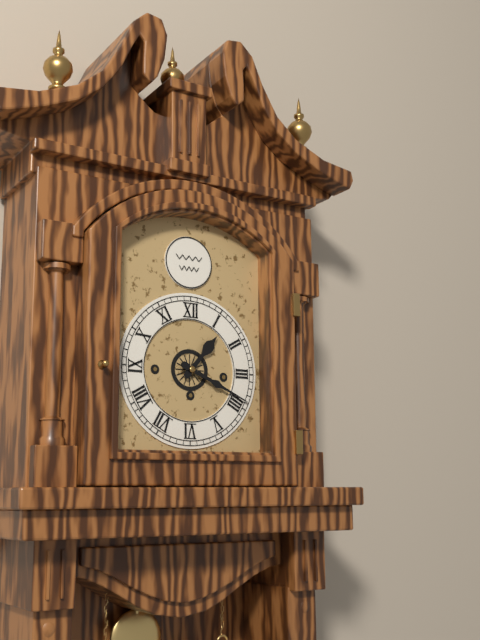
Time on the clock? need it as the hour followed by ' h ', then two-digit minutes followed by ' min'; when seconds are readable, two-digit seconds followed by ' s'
1 h 19 min
